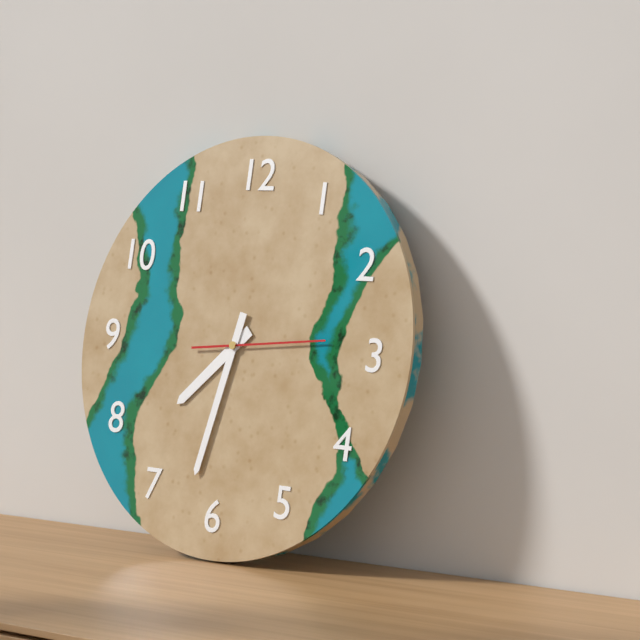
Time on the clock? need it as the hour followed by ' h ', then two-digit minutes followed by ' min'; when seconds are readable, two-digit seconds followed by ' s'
7 h 32 min 14 s
